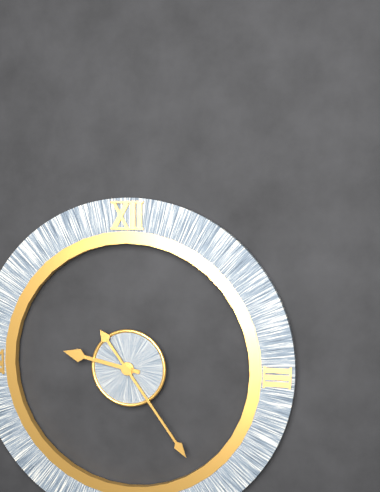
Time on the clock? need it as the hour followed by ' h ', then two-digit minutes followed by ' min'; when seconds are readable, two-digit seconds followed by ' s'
9 h 24 min
